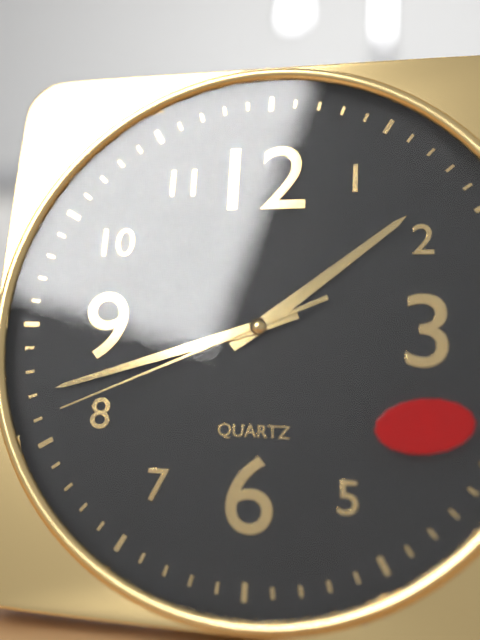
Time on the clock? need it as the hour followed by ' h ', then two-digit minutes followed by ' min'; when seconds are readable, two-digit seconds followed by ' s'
1 h 42 min 41 s
